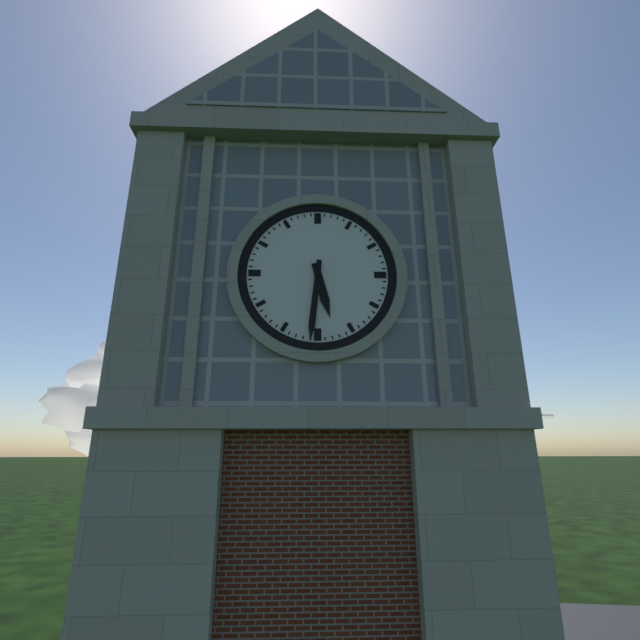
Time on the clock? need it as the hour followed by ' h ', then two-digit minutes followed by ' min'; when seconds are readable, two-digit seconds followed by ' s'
5 h 31 min
